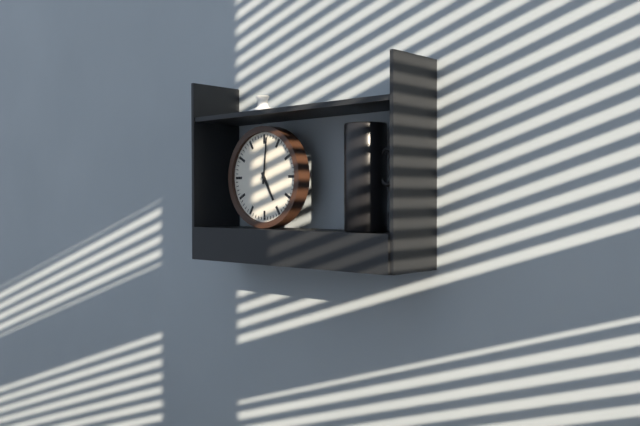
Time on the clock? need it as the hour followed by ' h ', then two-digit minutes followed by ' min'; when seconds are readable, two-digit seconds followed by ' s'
5 h 01 min
